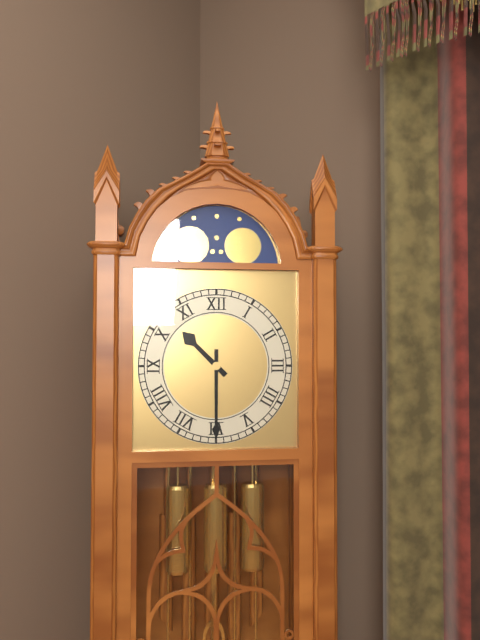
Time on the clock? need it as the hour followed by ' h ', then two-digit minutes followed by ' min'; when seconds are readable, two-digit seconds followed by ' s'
10 h 30 min
